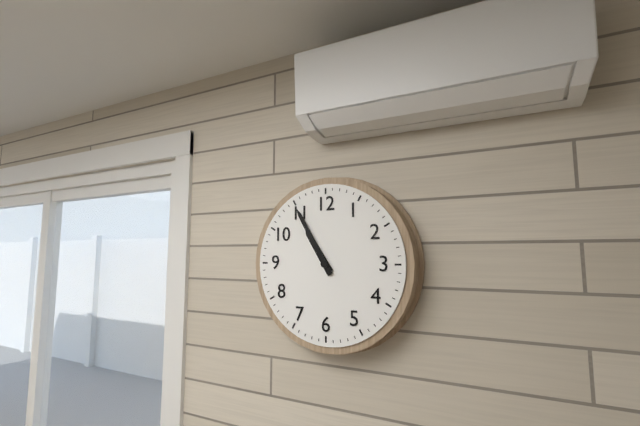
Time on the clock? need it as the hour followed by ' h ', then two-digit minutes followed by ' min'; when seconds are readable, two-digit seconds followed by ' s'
10 h 55 min
